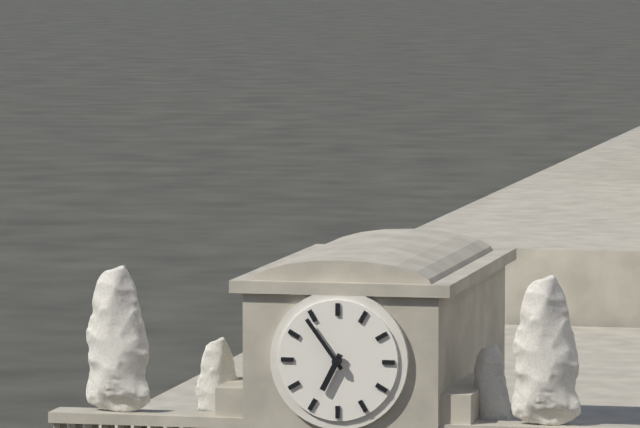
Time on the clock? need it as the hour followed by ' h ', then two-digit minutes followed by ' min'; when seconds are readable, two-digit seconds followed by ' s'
6 h 54 min
